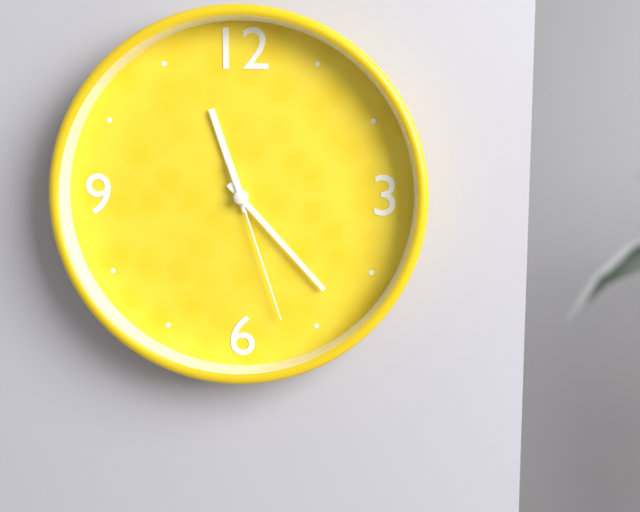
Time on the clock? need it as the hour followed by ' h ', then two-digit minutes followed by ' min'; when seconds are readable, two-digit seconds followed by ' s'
11 h 23 min 27 s
